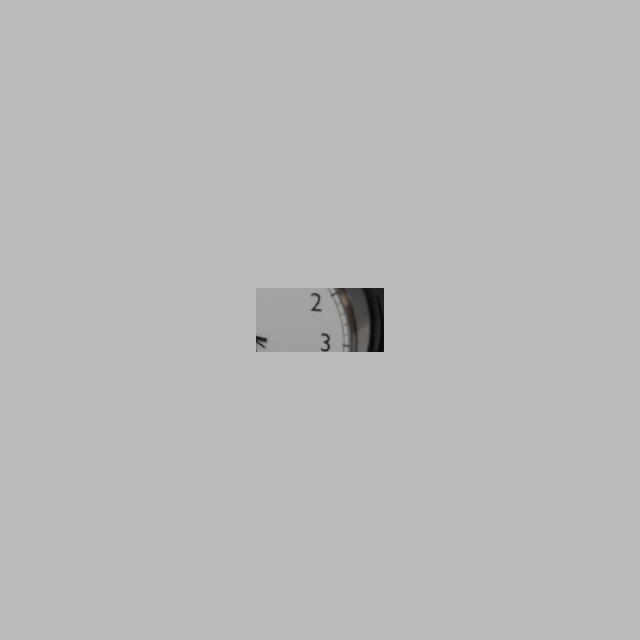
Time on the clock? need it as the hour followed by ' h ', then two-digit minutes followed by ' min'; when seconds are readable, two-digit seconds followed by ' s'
5 h 46 min 50 s
